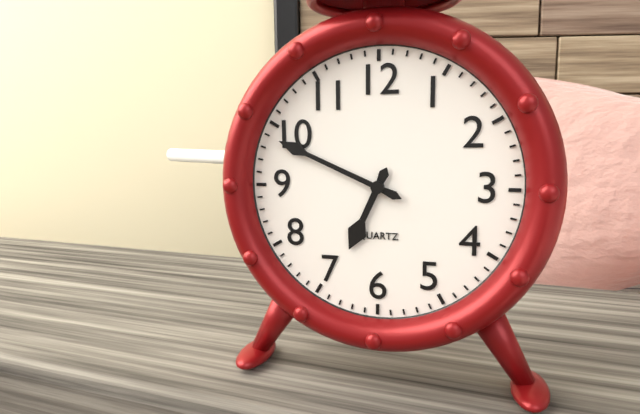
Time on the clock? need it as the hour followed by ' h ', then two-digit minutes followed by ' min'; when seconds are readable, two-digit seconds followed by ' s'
6 h 49 min
